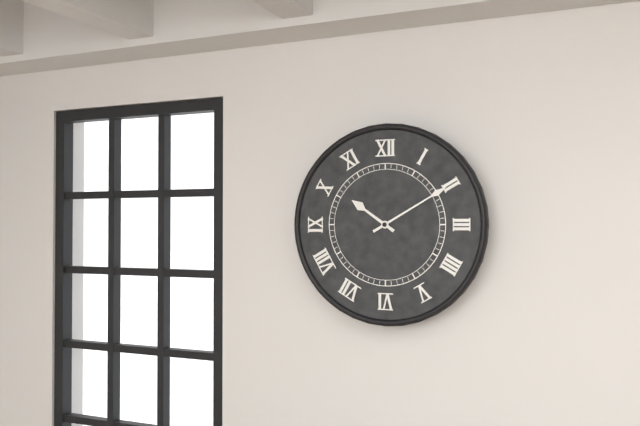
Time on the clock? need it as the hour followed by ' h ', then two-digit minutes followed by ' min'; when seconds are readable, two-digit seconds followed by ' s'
10 h 10 min
